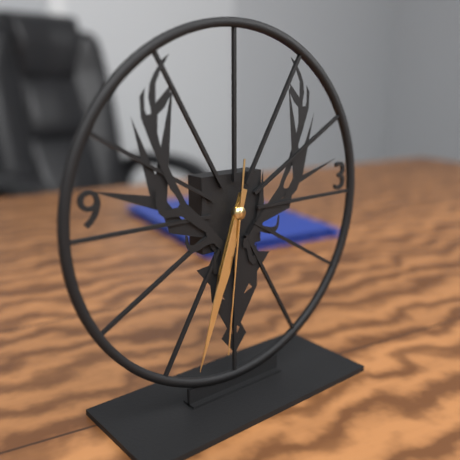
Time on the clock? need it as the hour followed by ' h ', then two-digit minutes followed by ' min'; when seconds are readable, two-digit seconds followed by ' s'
6 h 33 min 31 s
